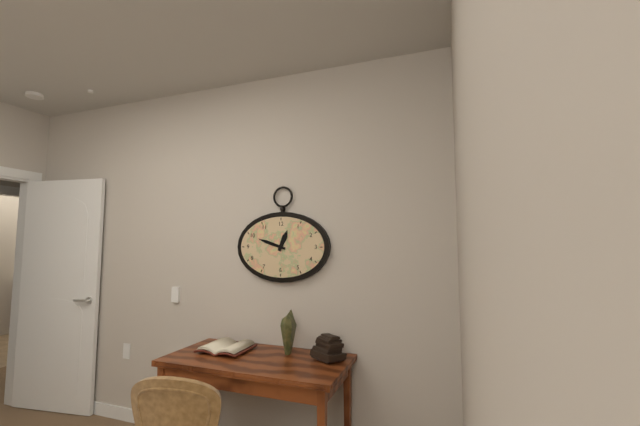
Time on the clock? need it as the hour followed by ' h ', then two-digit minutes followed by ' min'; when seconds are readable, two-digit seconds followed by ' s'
12 h 48 min
